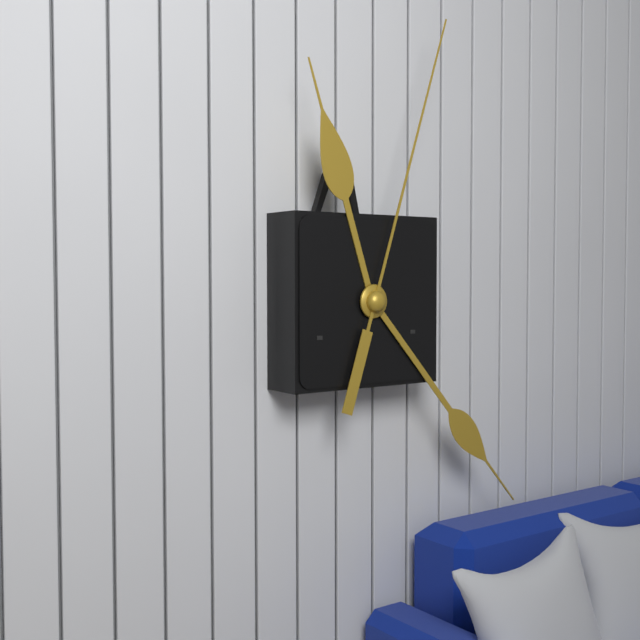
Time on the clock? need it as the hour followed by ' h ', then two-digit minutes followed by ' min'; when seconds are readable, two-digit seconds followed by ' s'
11 h 23 min 03 s
